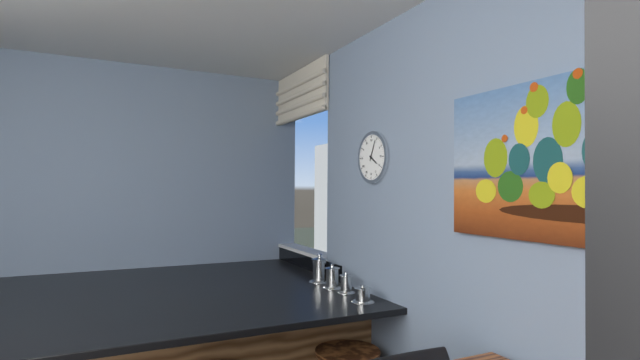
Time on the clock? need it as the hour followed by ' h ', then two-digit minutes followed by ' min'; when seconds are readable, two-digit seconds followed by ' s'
4 h 04 min
